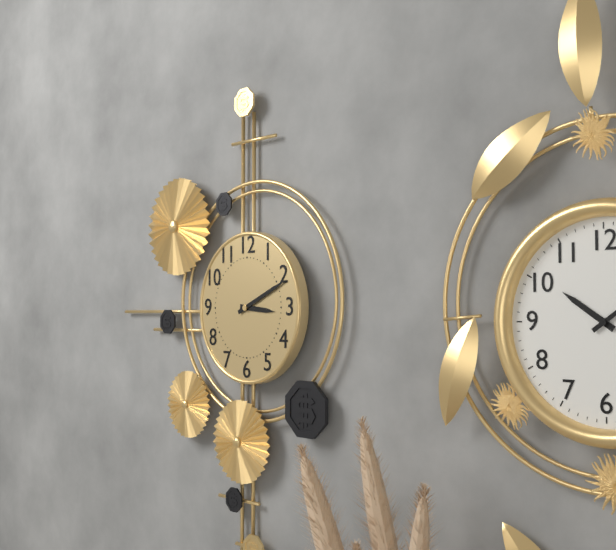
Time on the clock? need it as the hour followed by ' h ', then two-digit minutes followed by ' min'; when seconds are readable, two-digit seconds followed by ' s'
3 h 11 min
